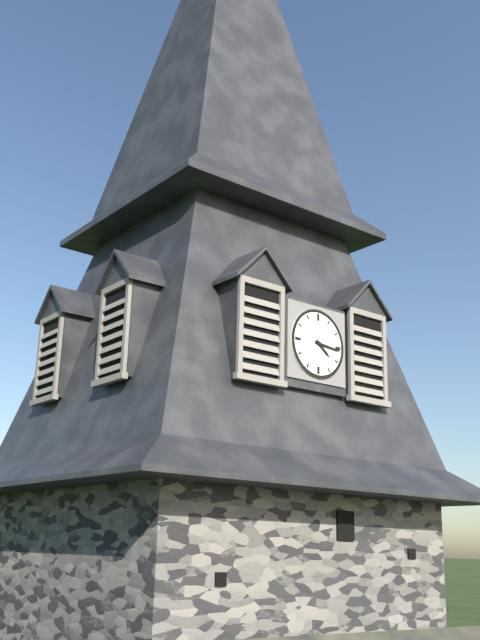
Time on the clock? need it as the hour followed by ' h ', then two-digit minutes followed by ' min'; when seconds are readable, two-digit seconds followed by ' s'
4 h 16 min
